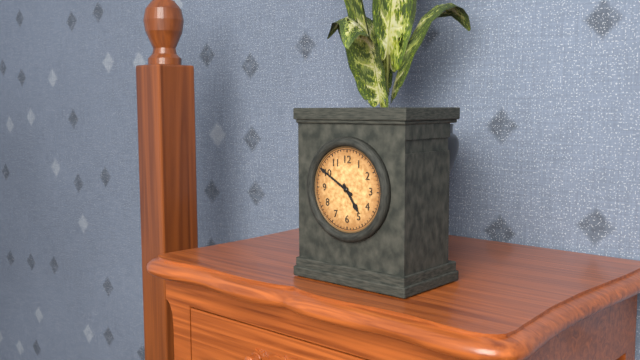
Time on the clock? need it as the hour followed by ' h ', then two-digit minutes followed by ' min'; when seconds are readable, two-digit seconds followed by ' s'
4 h 50 min
